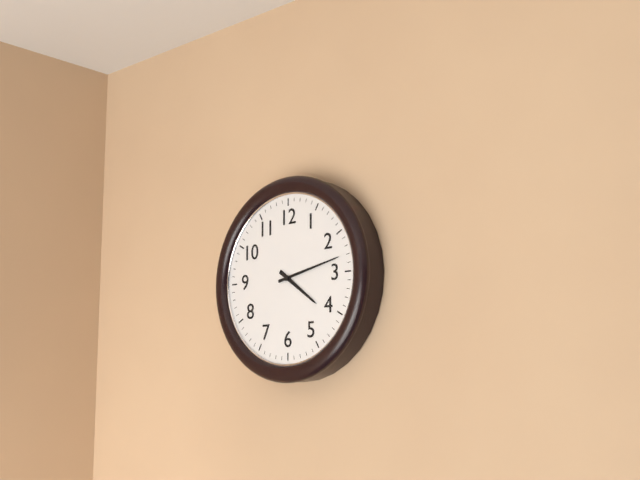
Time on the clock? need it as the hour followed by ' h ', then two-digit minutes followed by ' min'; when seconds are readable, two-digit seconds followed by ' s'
4 h 13 min
